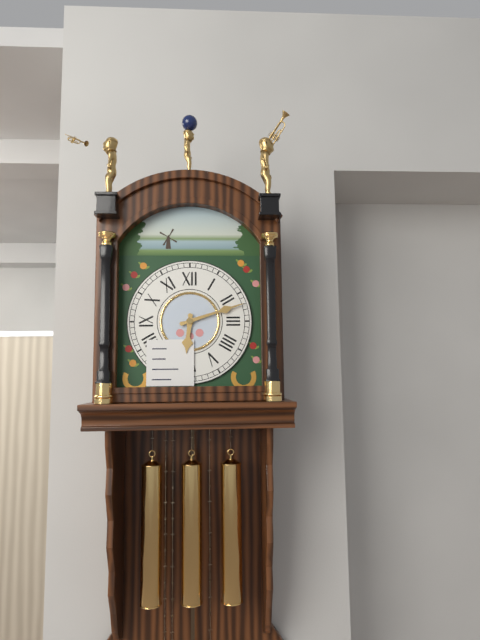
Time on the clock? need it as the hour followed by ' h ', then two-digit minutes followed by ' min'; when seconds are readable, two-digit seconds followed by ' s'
6 h 12 min
